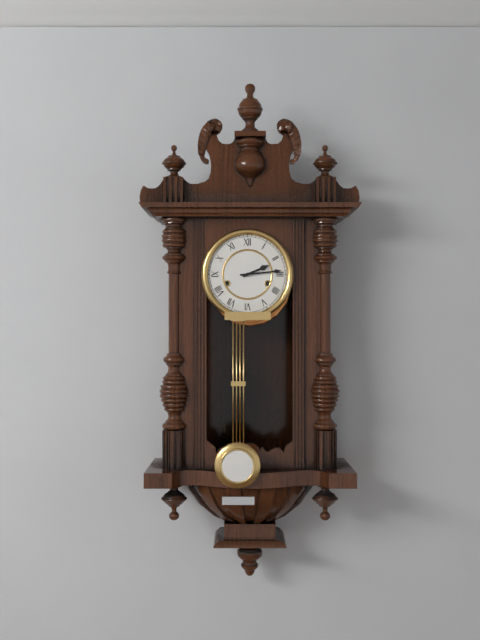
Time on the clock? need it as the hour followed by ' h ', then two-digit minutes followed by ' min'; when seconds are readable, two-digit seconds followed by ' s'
2 h 14 min
